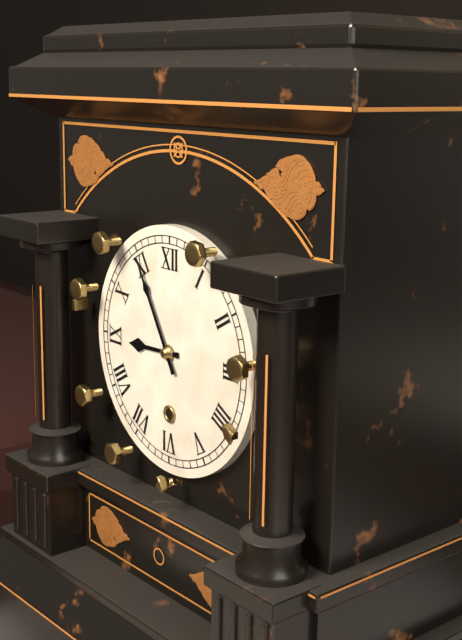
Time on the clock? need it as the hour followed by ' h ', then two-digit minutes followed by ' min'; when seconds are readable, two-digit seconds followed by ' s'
8 h 55 min
